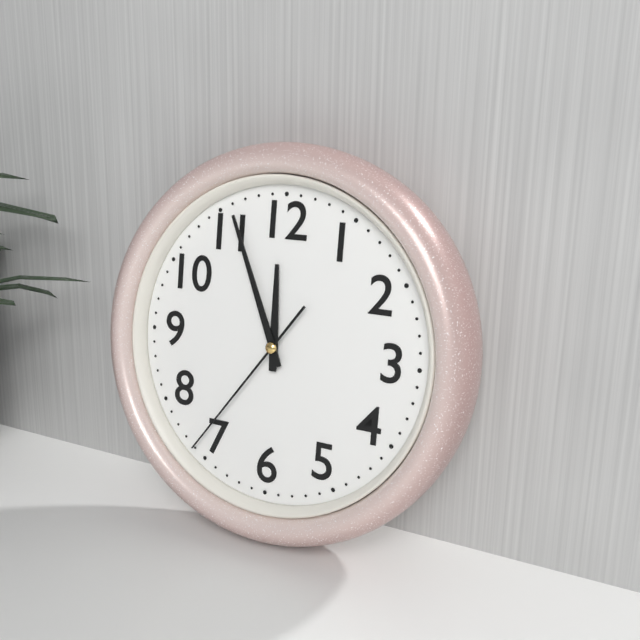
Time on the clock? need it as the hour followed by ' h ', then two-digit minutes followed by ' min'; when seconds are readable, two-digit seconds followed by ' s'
11 h 56 min 36 s
